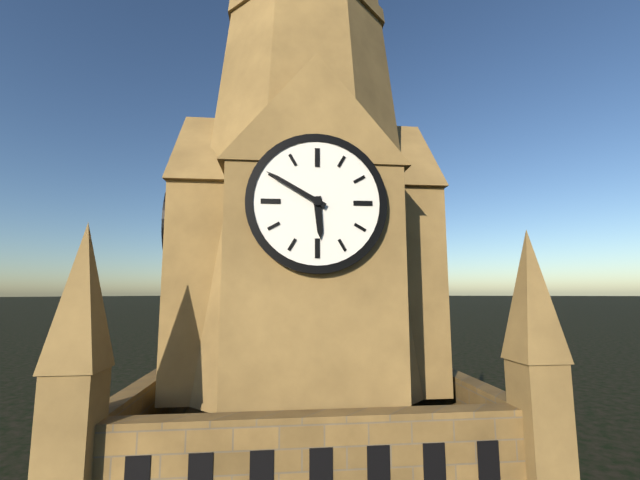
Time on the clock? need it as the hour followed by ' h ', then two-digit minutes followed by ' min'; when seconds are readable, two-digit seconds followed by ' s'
5 h 50 min
